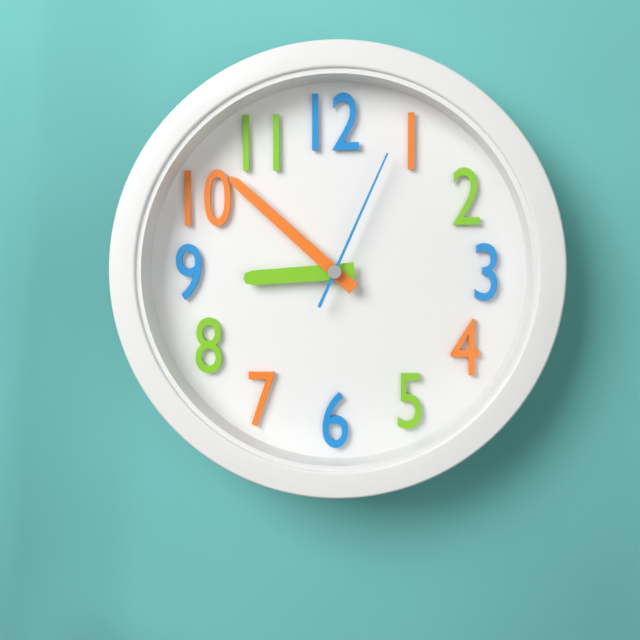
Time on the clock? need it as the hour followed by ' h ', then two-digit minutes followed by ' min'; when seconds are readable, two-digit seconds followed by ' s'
8 h 52 min 04 s
